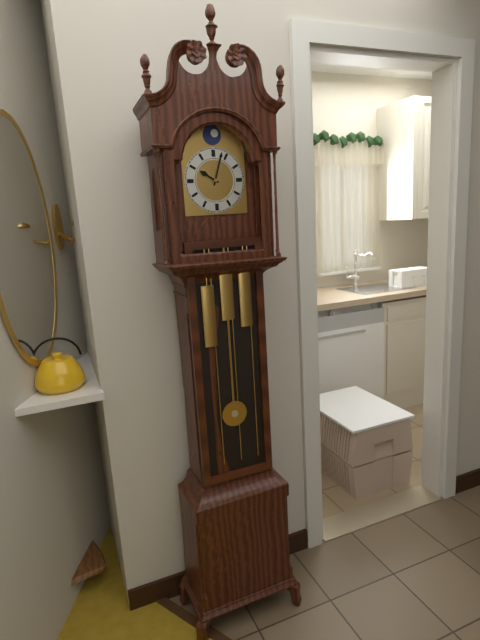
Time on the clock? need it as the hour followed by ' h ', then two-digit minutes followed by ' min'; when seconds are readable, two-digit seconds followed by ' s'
10 h 03 min
